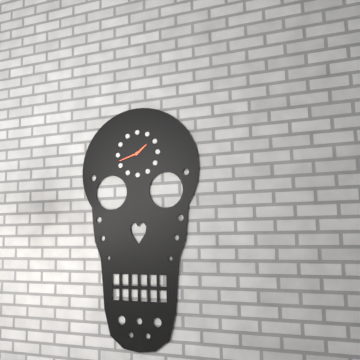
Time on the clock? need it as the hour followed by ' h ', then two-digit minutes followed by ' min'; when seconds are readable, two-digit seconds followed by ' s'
1 h 42 min
